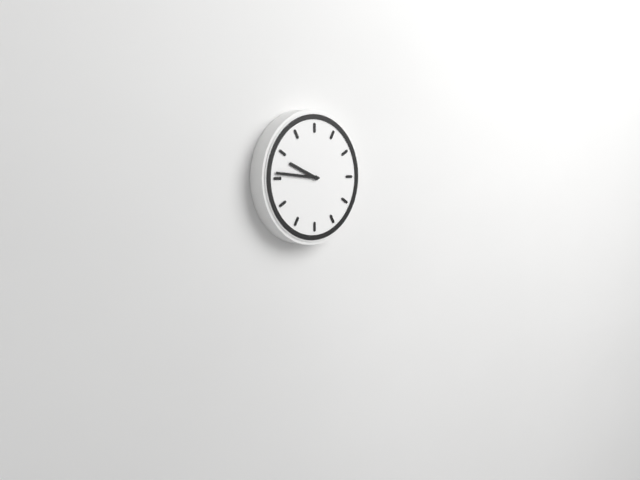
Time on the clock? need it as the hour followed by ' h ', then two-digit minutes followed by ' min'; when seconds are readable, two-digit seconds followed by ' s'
9 h 46 min
